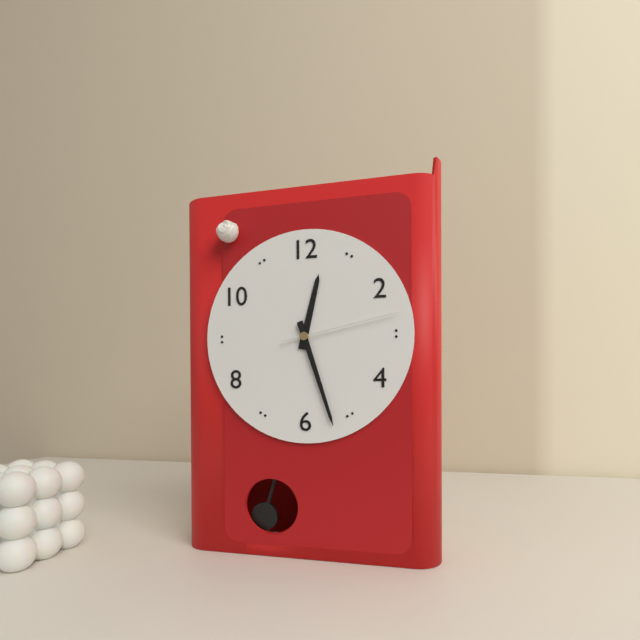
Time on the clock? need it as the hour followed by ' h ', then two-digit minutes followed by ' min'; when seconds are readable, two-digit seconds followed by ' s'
12 h 27 min 13 s
